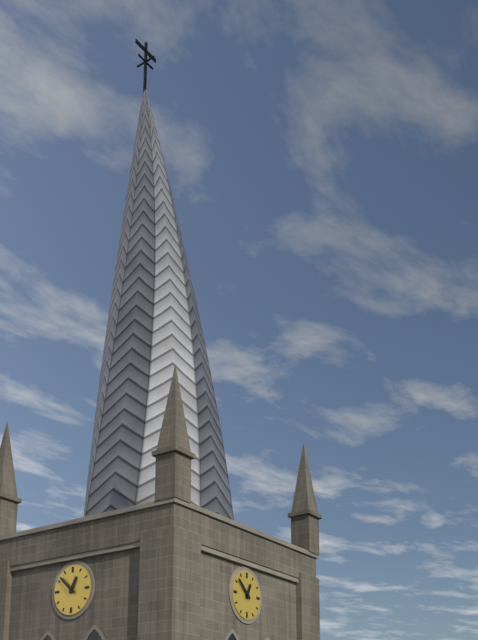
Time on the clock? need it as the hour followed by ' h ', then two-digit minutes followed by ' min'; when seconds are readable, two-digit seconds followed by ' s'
12 h 52 min
